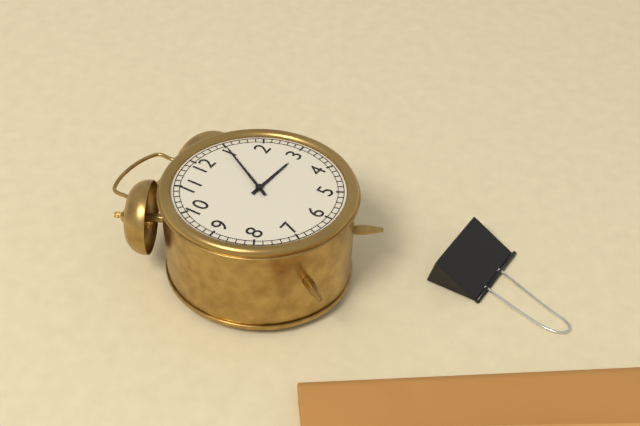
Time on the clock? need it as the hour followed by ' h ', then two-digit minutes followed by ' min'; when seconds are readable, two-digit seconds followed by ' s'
3 h 05 min
